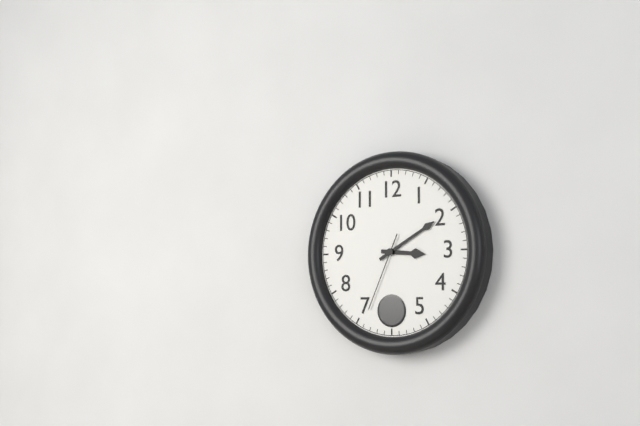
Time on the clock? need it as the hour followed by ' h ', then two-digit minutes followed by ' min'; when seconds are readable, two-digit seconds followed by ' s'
3 h 10 min 34 s
